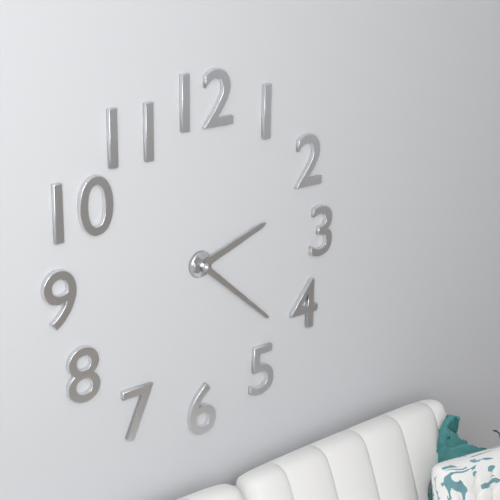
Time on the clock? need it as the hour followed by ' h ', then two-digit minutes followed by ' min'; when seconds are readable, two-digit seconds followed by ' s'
2 h 22 min
